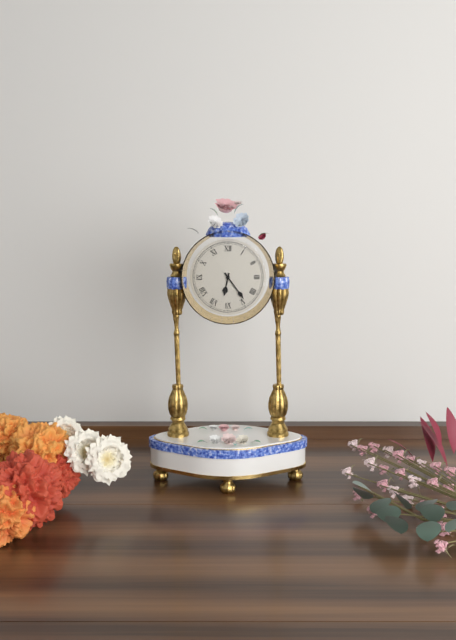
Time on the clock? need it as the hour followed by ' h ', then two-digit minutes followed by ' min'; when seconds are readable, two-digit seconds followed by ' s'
6 h 24 min
